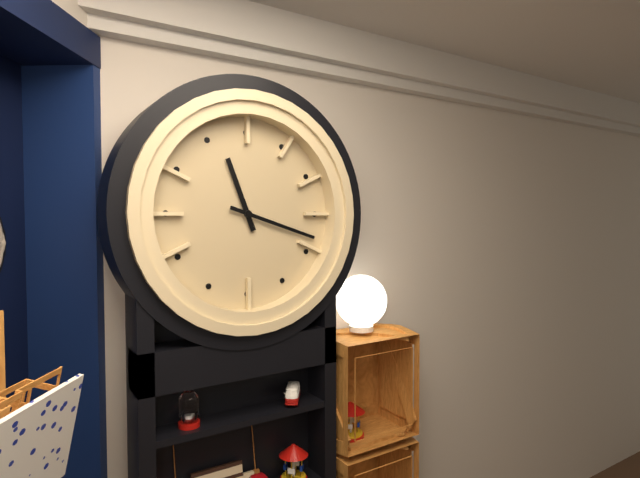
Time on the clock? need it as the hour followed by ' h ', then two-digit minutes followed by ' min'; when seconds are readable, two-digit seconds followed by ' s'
11 h 18 min
